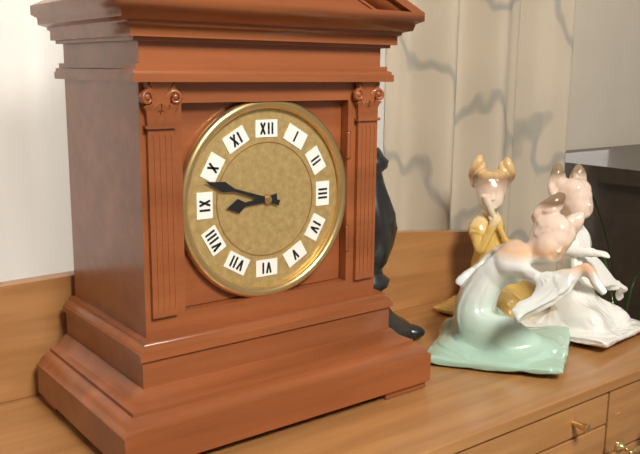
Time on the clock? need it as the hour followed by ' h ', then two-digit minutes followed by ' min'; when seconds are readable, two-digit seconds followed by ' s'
8 h 48 min
